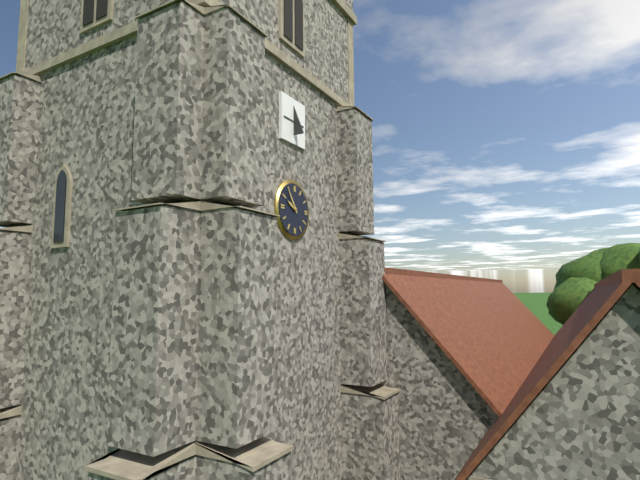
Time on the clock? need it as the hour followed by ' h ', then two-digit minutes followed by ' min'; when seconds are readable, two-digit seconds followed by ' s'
9 h 54 min
